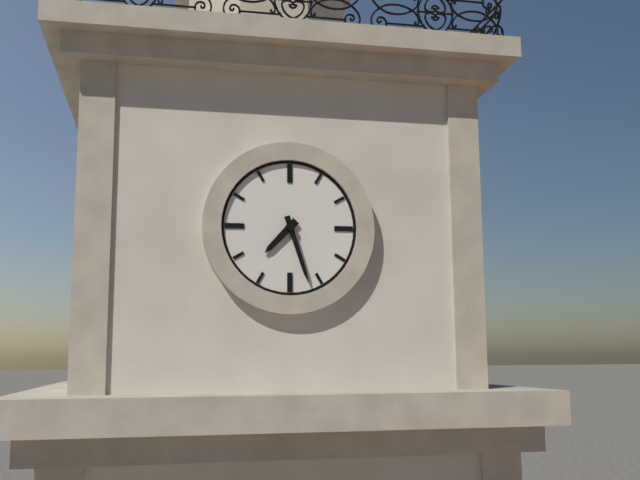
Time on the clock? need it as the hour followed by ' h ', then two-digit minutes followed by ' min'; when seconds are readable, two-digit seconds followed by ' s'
7 h 27 min
